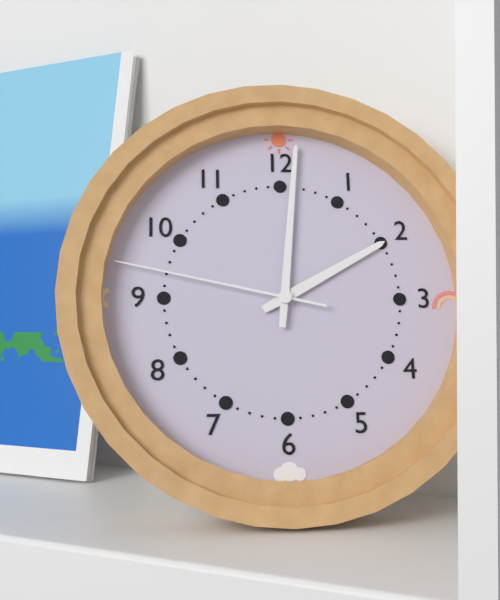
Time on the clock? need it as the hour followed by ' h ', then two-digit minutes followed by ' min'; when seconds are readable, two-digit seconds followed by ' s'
2 h 01 min 47 s
